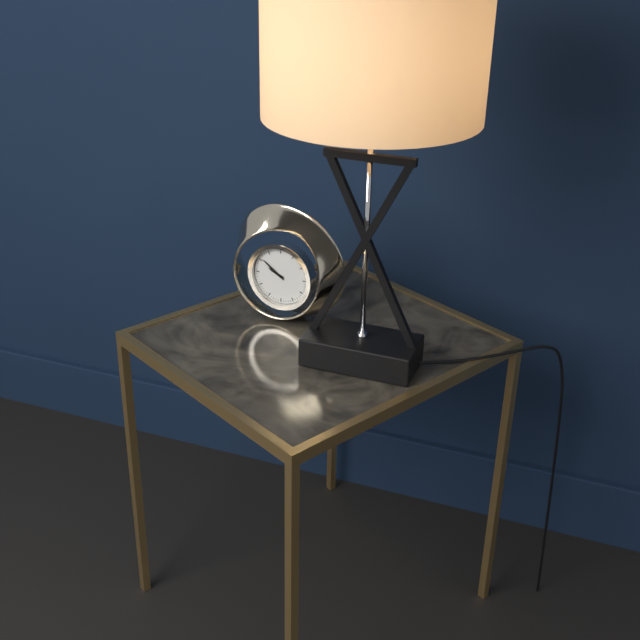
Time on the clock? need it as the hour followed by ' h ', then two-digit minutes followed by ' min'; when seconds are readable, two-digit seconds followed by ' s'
9 h 51 min
